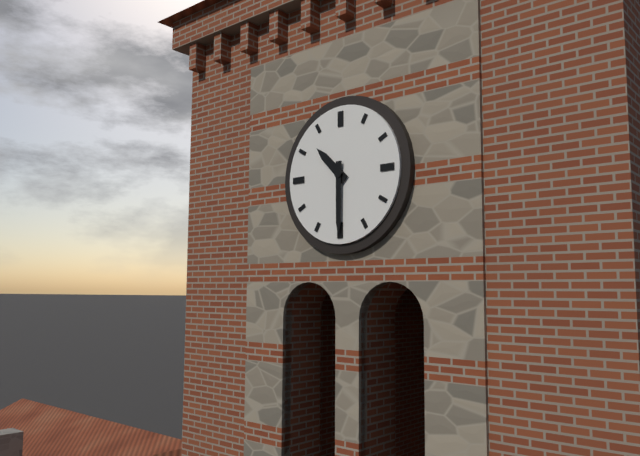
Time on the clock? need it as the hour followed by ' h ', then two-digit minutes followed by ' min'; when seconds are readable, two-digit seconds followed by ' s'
10 h 30 min
